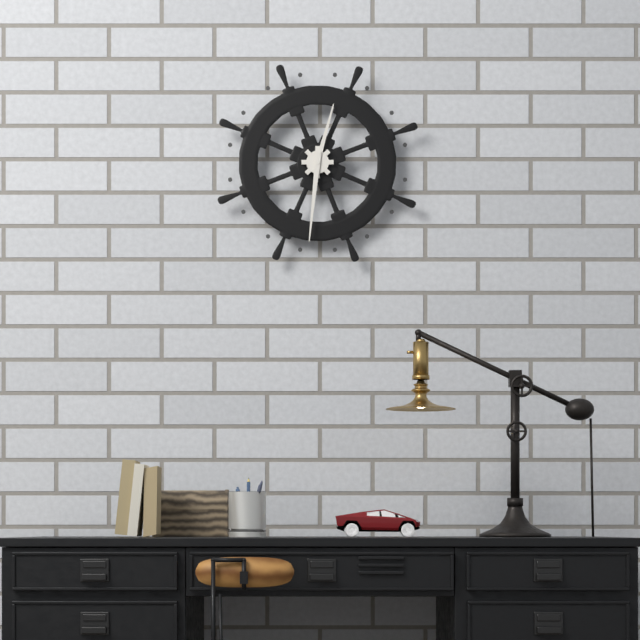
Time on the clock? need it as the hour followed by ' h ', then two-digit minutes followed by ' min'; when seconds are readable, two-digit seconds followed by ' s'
12 h 31 min
